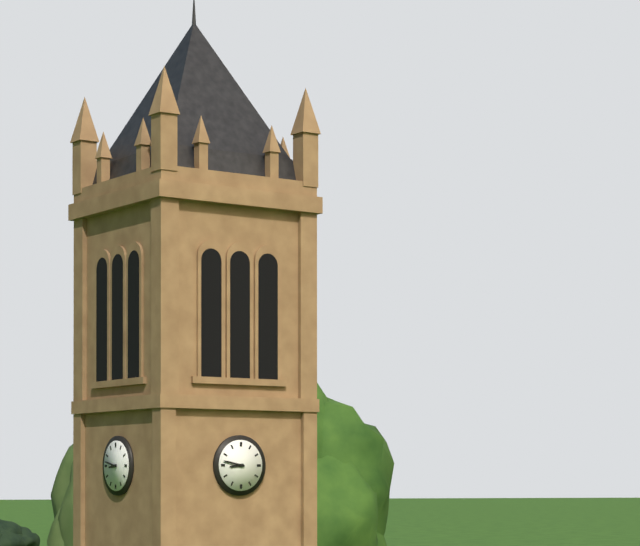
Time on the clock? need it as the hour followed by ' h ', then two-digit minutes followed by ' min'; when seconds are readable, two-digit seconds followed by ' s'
8 h 47 min
